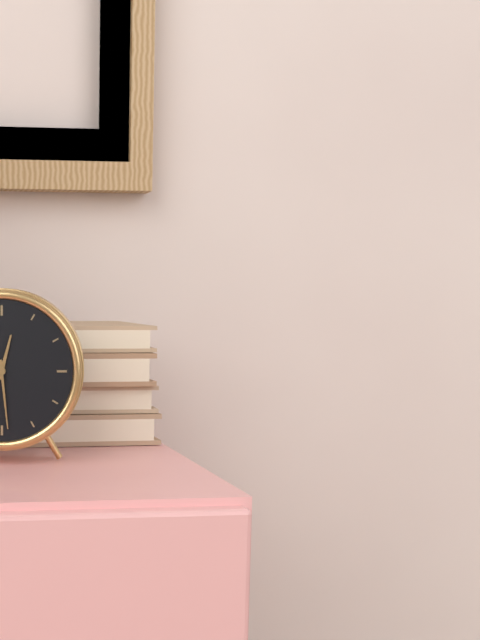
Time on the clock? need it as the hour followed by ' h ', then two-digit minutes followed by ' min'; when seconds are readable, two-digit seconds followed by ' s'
12 h 29 min
